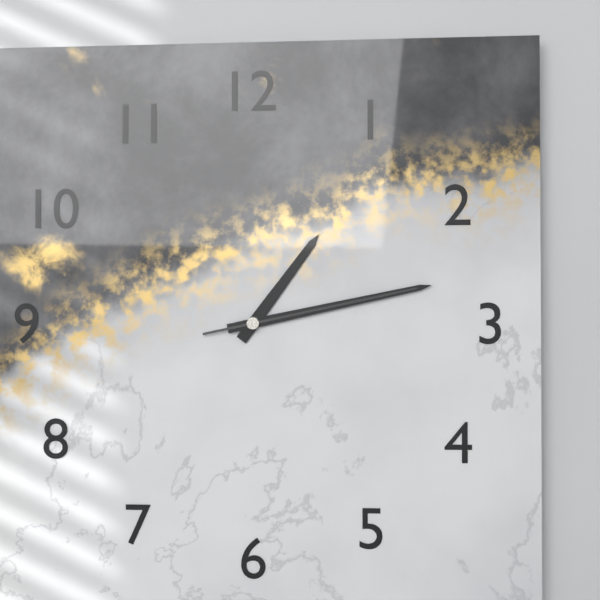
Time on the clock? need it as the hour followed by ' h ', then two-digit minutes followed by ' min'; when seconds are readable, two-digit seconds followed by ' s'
1 h 13 min 13 s
